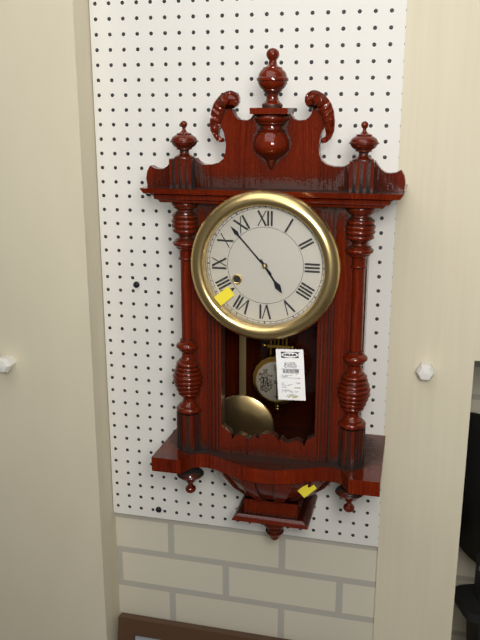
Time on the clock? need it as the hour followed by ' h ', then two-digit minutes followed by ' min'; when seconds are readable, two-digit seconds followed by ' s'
4 h 53 min
